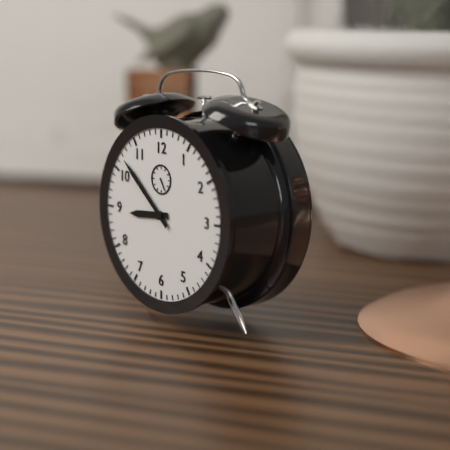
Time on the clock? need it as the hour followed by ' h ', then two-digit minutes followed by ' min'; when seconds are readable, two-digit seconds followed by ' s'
8 h 52 min
